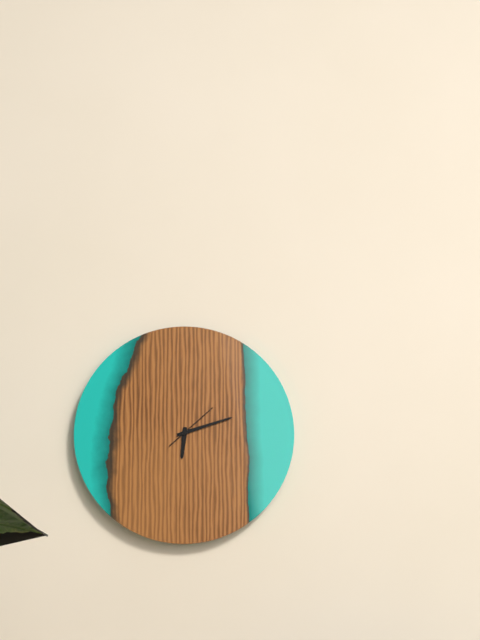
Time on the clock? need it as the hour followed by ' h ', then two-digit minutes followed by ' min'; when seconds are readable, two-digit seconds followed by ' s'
6 h 12 min
